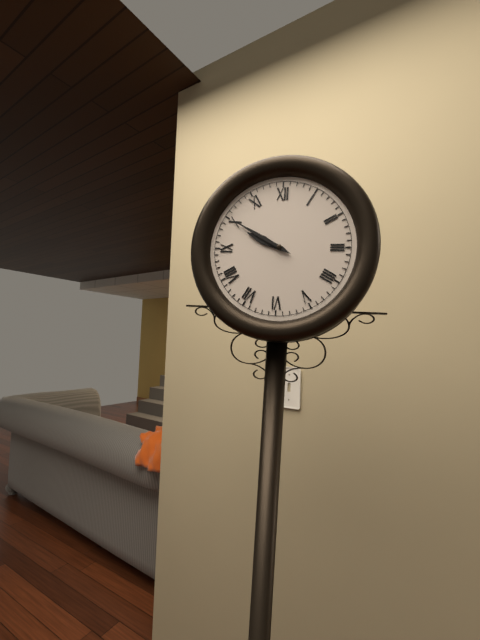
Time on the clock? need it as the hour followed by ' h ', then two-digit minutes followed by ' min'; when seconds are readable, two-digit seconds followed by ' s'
9 h 50 min
